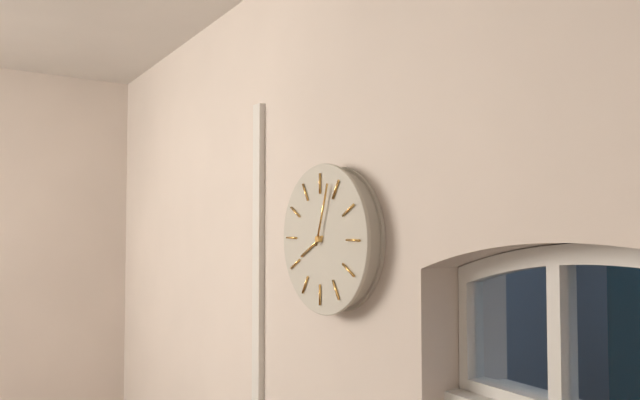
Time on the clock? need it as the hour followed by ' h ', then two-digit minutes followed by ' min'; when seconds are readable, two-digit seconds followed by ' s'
8 h 03 min
